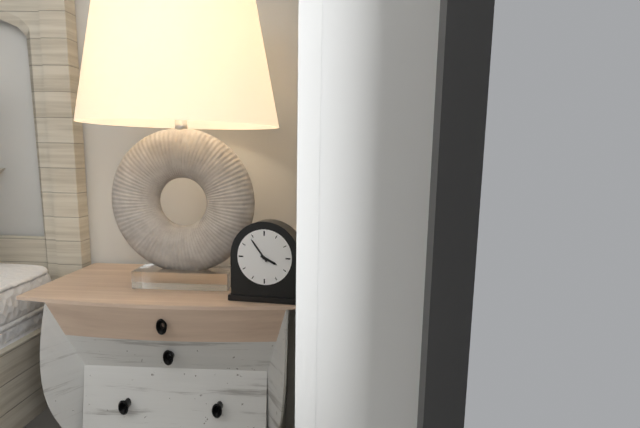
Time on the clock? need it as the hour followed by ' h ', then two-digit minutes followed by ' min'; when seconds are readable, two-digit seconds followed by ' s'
3 h 54 min
